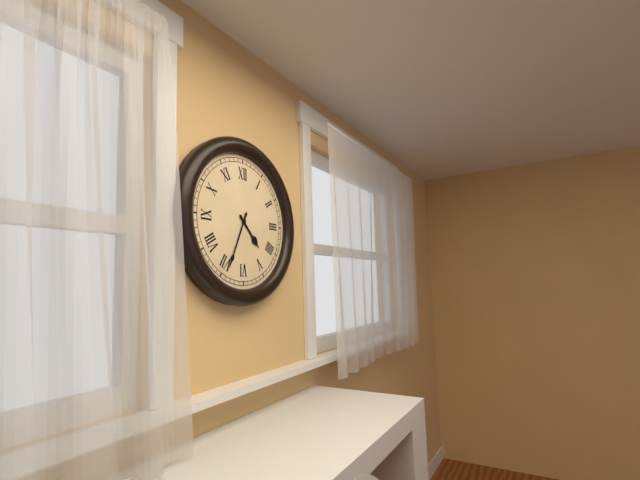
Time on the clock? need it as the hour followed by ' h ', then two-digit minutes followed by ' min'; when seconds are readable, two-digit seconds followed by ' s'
4 h 34 min
